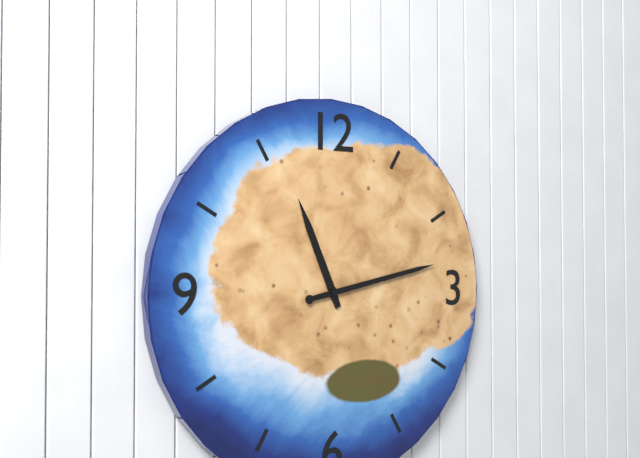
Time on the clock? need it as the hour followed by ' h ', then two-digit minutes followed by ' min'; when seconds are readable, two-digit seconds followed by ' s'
11 h 13 min
